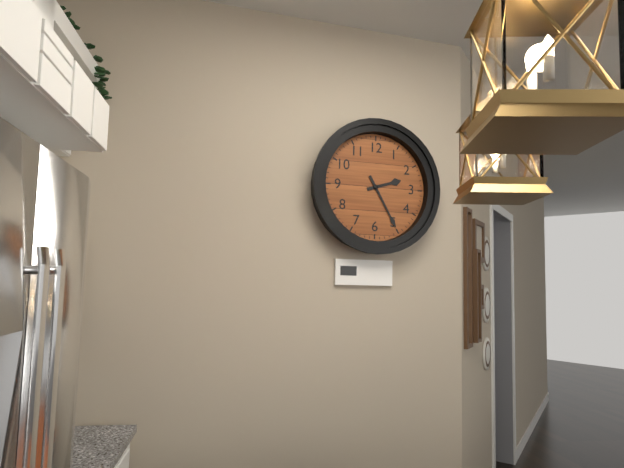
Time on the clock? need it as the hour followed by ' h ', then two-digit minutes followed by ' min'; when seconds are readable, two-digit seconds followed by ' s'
2 h 25 min
